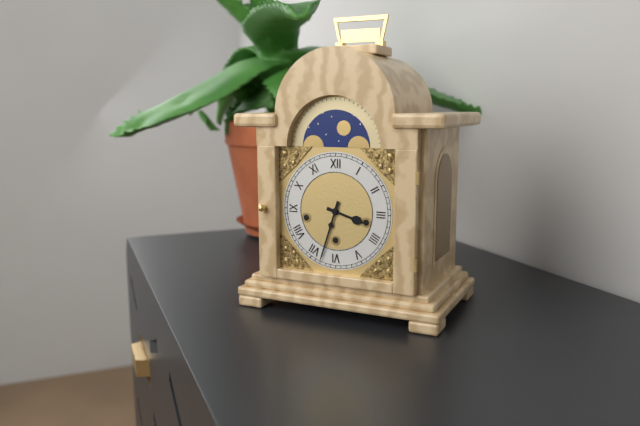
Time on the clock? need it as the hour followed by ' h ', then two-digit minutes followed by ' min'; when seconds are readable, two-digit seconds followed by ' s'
3 h 33 min
